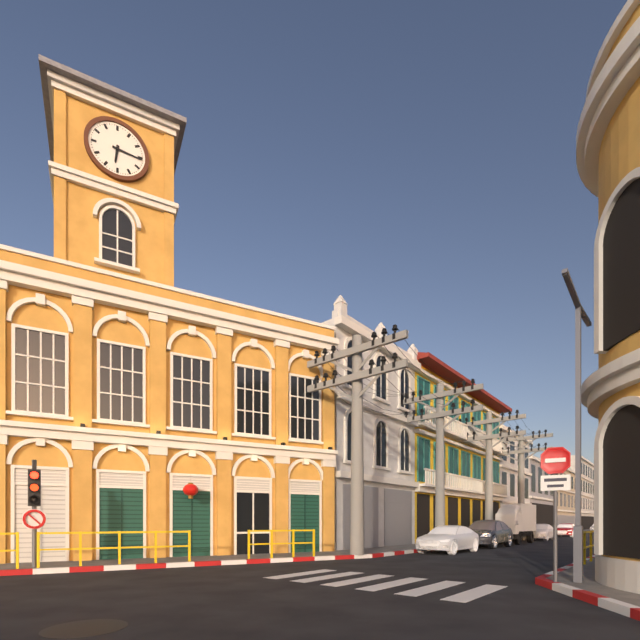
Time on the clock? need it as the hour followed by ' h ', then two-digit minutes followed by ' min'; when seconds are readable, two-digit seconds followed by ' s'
6 h 16 min
